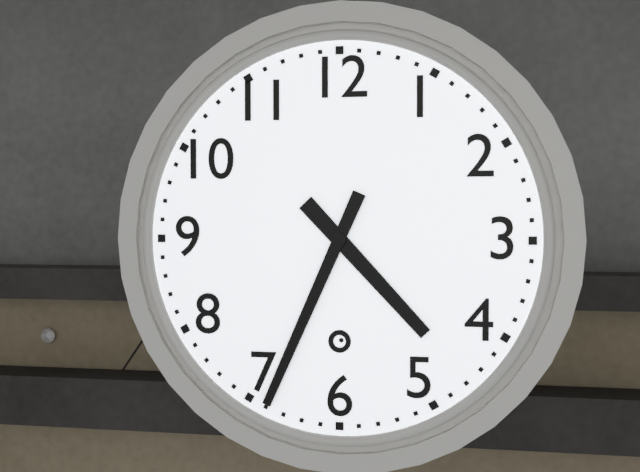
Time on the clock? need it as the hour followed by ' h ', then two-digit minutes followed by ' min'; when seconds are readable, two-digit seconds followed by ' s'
4 h 34 min
